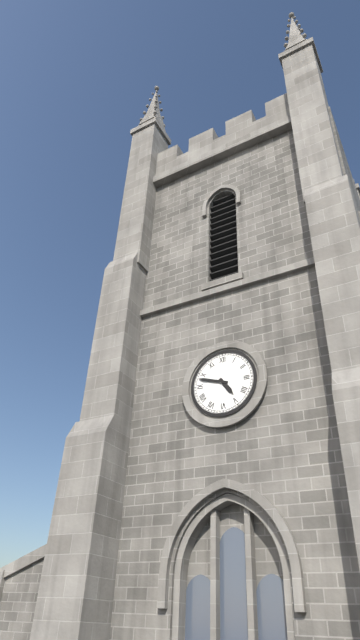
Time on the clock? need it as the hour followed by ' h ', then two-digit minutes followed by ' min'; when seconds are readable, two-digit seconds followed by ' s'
4 h 48 min
